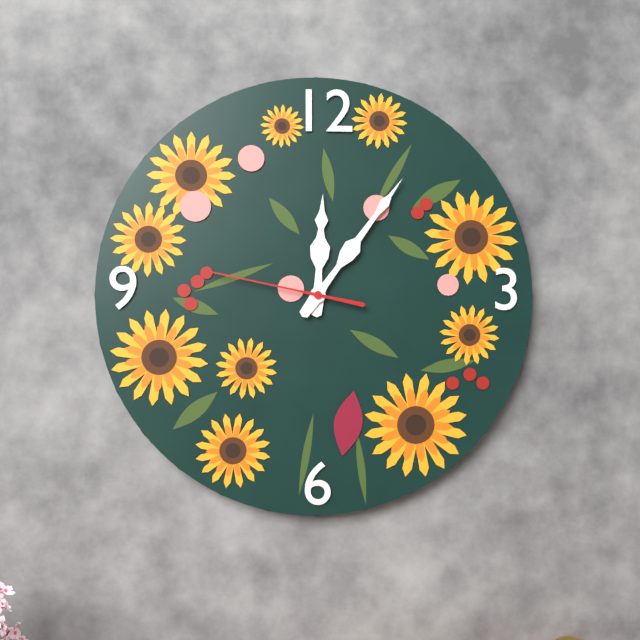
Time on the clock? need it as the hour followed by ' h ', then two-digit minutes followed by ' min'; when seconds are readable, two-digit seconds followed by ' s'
12 h 06 min 47 s
